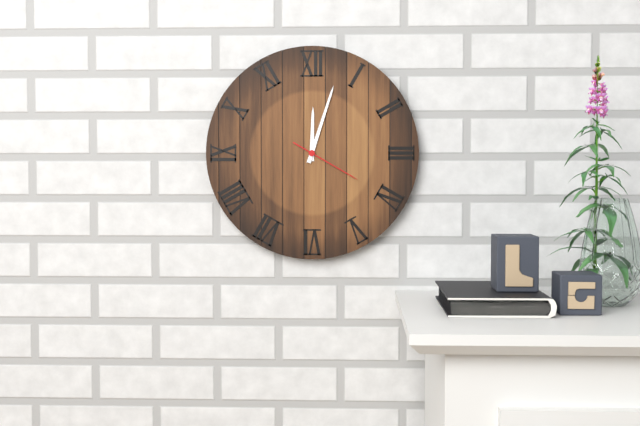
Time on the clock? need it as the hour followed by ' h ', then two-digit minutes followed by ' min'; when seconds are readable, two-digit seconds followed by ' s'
12 h 03 min 20 s
